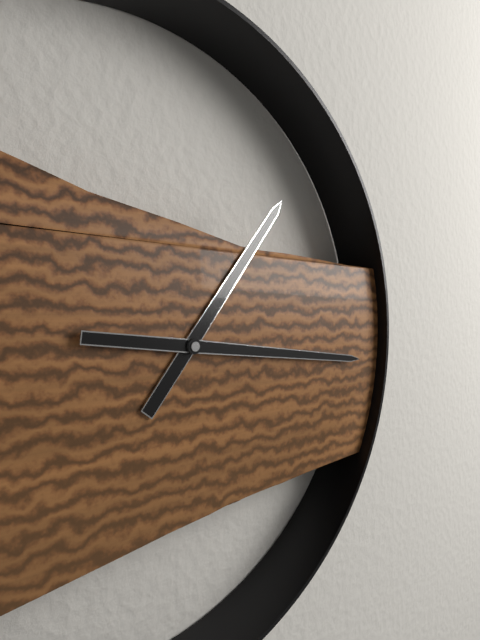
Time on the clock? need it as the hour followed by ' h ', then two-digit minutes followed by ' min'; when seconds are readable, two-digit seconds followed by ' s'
1 h 16 min
